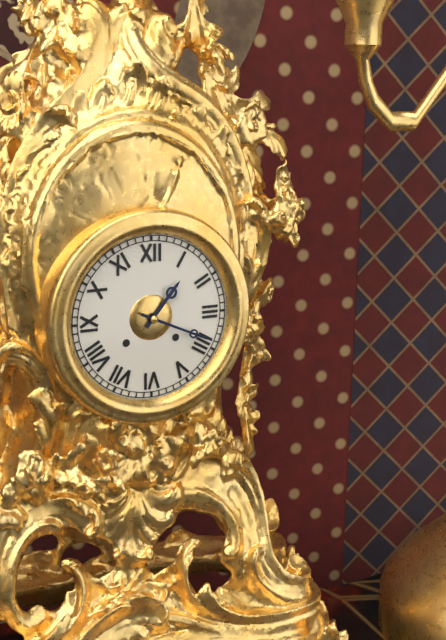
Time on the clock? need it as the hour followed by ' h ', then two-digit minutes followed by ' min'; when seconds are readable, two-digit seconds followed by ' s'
1 h 19 min
